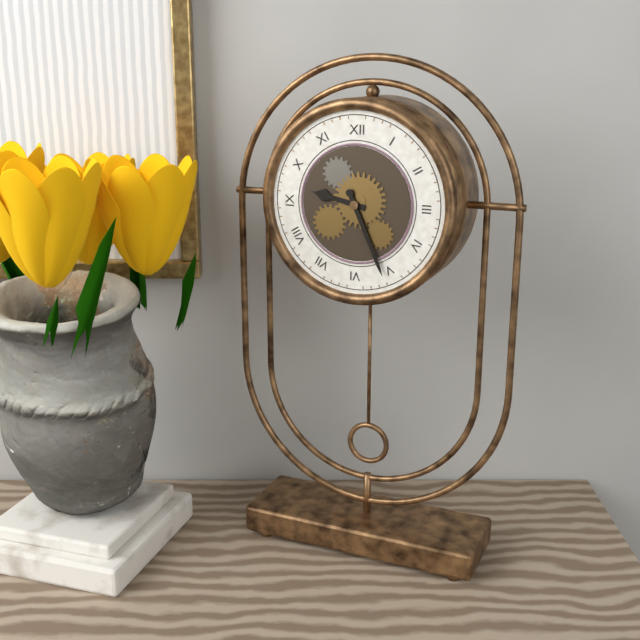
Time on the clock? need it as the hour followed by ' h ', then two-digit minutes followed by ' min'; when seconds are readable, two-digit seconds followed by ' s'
9 h 26 min
